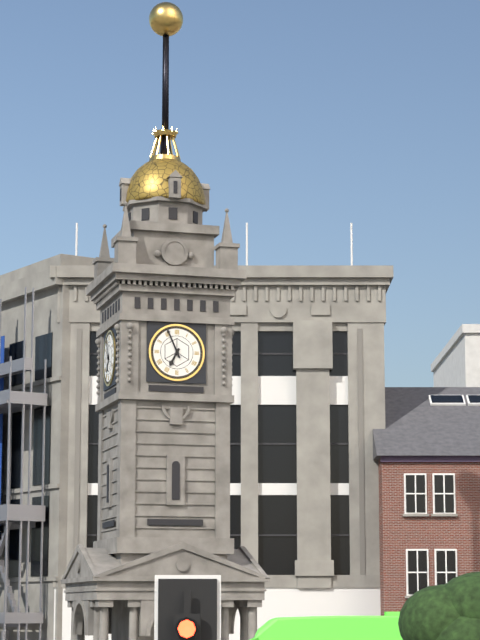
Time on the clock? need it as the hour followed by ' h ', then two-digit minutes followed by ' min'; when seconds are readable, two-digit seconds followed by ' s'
6 h 56 min
